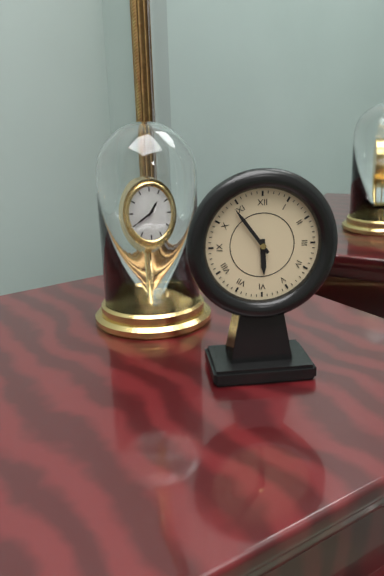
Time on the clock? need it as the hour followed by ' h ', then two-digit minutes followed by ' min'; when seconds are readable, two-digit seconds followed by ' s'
5 h 54 min
